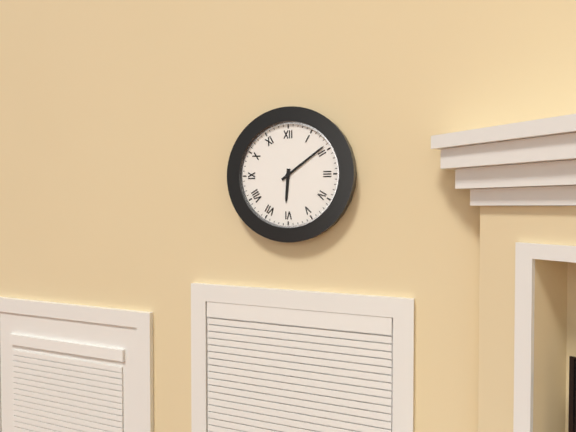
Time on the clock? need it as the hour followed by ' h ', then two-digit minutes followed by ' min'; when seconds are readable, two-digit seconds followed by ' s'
6 h 09 min
